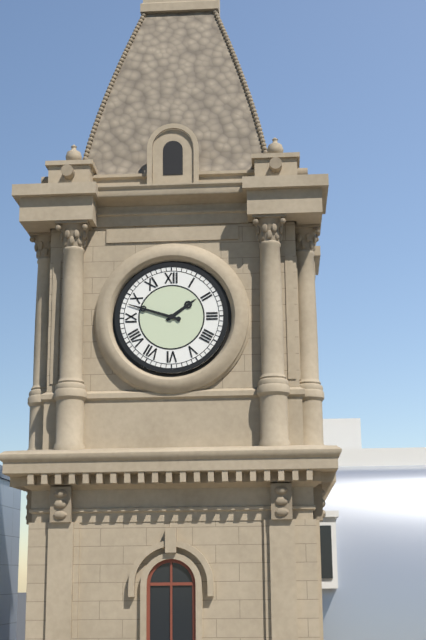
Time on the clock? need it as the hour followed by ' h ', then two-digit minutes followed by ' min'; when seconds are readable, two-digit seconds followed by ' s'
1 h 48 min
